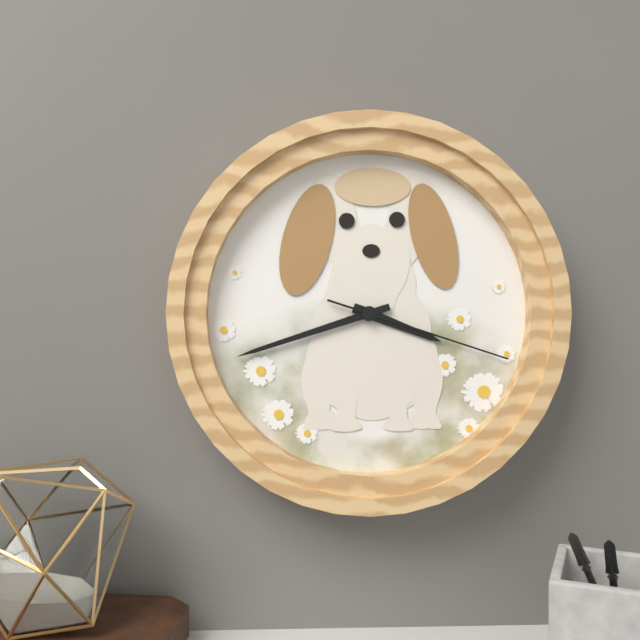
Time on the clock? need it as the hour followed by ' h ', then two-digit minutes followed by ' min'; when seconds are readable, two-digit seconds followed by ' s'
3 h 42 min 18 s
